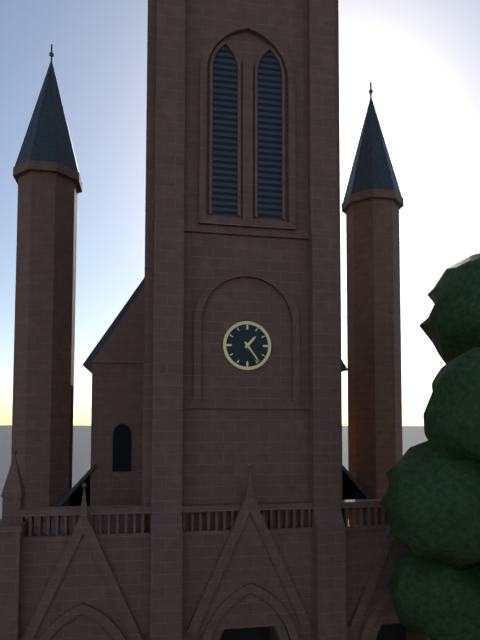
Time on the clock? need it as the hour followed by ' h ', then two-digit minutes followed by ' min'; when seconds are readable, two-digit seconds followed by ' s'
1 h 24 min
